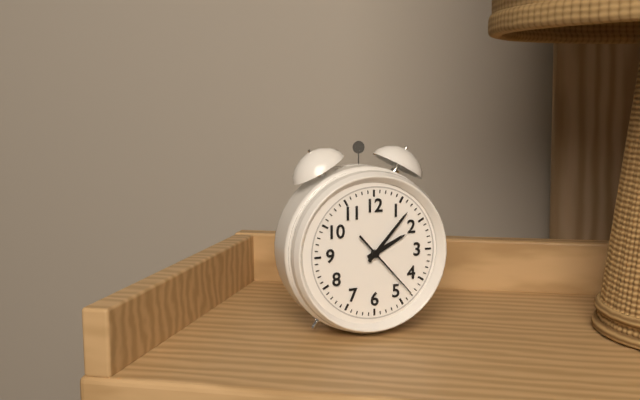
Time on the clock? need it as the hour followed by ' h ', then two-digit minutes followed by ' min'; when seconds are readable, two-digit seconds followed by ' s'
2 h 07 min 23 s
